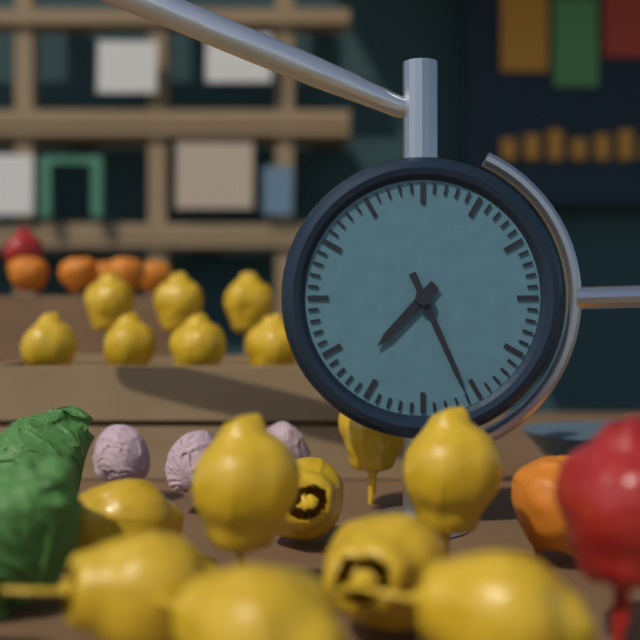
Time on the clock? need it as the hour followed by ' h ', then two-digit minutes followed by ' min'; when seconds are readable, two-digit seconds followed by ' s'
7 h 26 min
